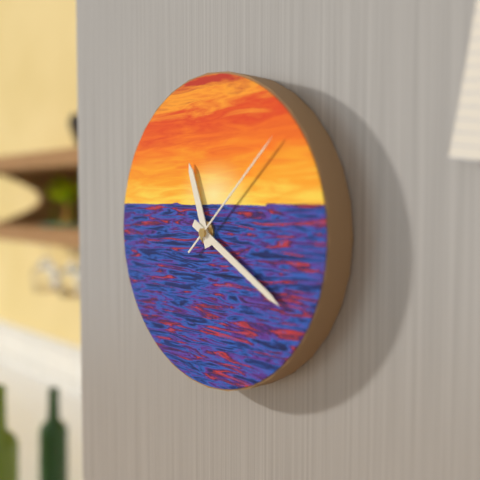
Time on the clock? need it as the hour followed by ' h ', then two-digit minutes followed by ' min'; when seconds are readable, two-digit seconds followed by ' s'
11 h 20 min 08 s
